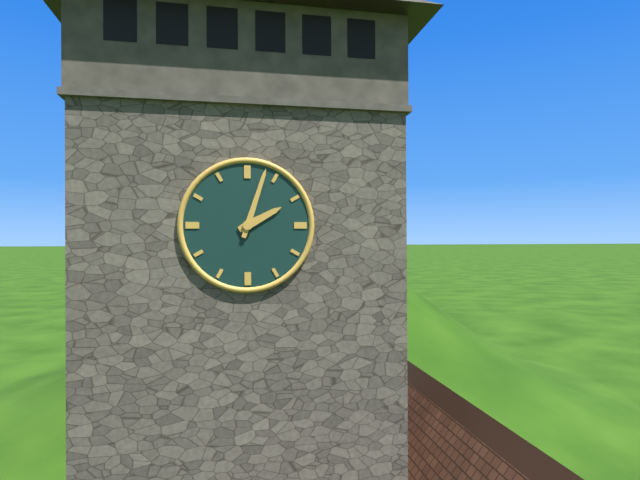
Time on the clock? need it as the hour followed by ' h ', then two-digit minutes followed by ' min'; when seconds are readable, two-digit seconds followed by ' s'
2 h 03 min
